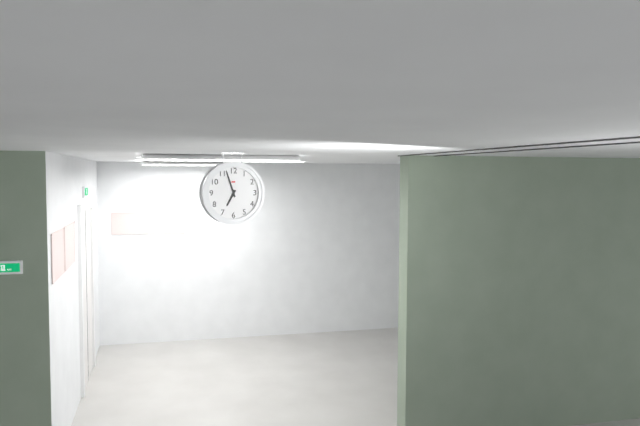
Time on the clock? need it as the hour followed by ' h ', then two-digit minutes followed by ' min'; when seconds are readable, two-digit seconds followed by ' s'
6 h 57 min
